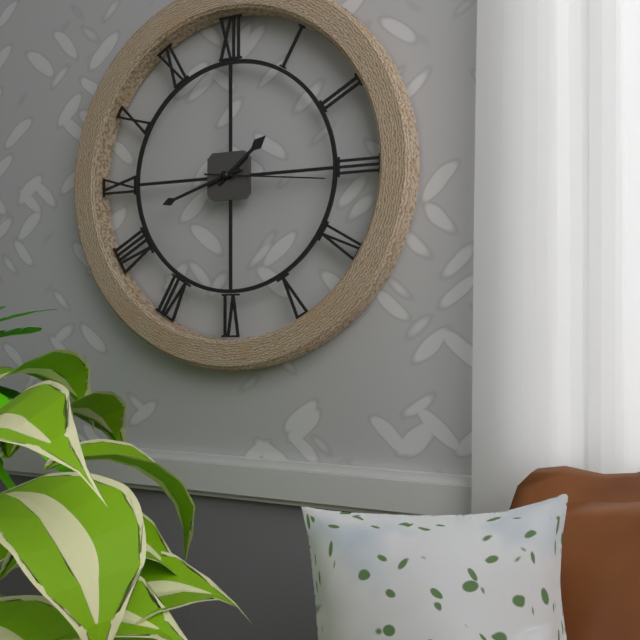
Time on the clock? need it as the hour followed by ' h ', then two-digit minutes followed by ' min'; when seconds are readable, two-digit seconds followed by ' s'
1 h 42 min 16 s
